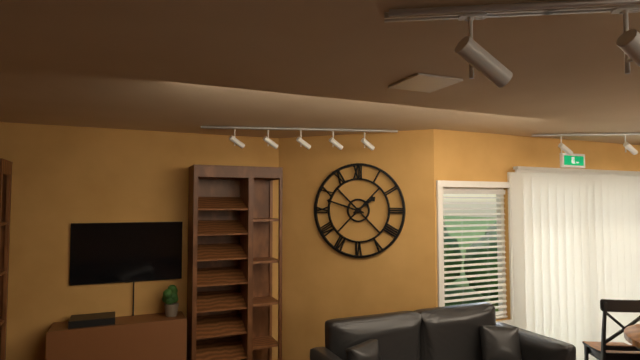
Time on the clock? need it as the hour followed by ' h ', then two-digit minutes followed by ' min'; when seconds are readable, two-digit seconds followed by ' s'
1 h 48 min
